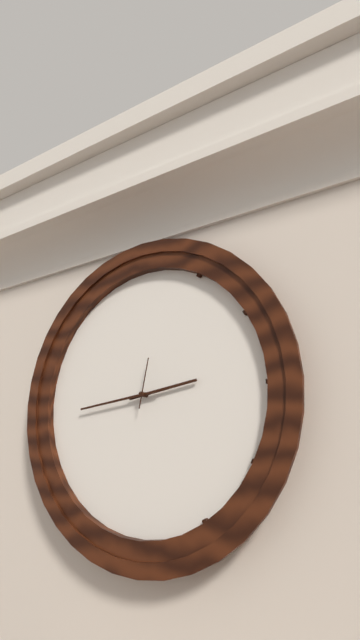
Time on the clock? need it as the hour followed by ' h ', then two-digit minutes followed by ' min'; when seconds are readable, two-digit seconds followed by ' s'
2 h 44 min
